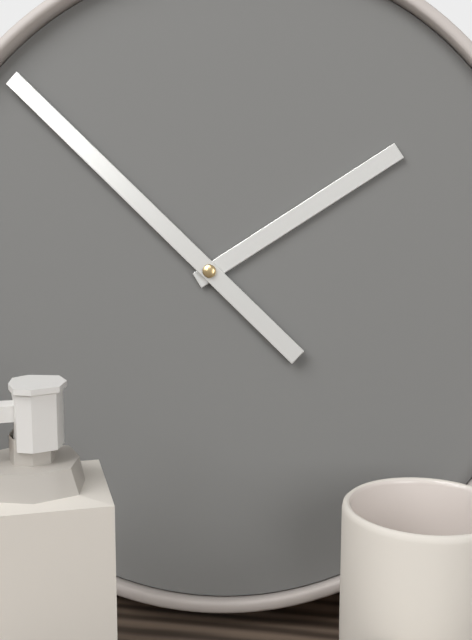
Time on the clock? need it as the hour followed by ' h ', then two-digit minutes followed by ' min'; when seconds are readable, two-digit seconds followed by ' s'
1 h 52 min
